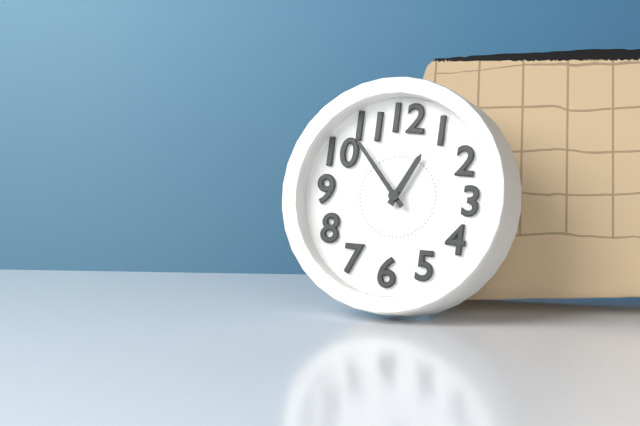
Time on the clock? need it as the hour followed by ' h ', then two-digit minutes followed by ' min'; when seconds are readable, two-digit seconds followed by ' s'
12 h 53 min
